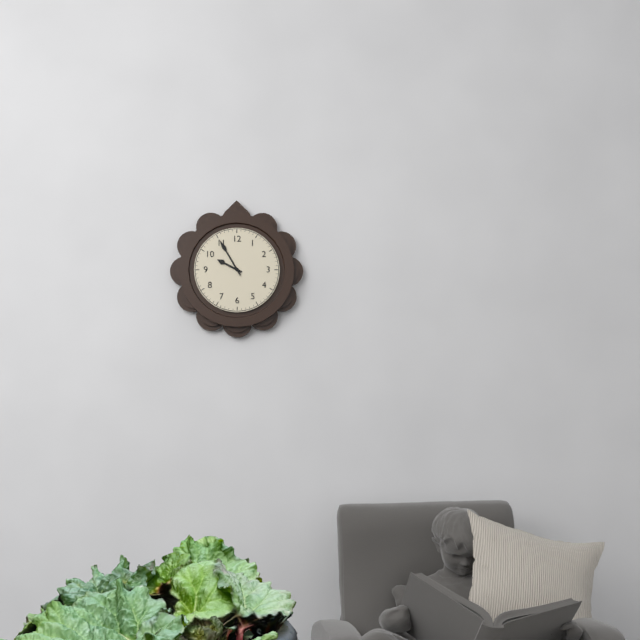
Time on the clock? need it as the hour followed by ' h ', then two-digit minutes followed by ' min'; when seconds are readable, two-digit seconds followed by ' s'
9 h 55 min
